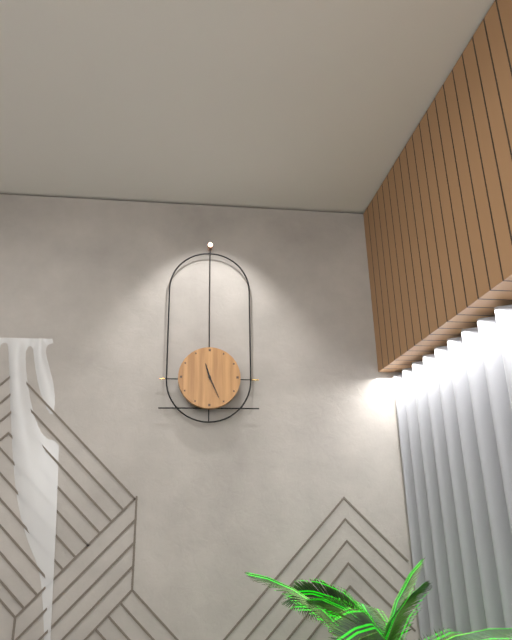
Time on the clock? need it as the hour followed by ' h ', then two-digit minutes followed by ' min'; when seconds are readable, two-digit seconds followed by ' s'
11 h 26 min
